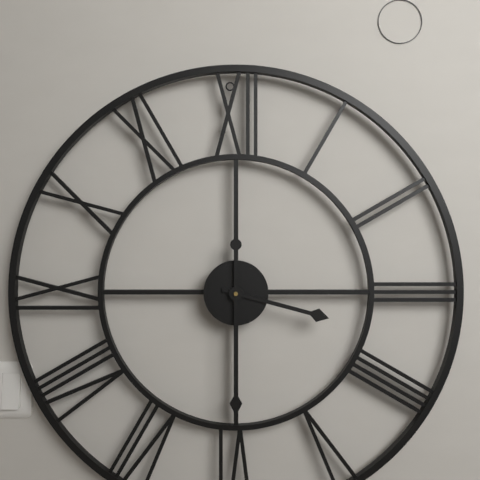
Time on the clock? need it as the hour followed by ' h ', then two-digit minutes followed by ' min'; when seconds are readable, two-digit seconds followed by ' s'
3 h 30 min
